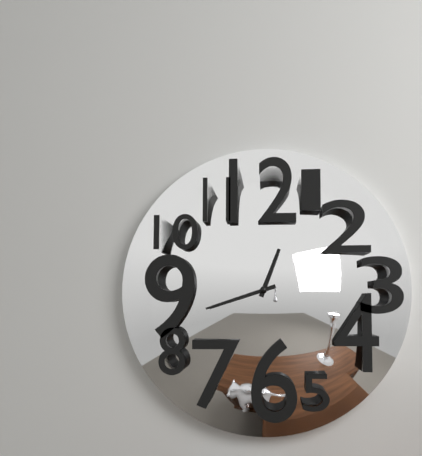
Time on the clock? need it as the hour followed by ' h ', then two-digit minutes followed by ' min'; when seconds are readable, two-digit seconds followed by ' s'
12 h 42 min
